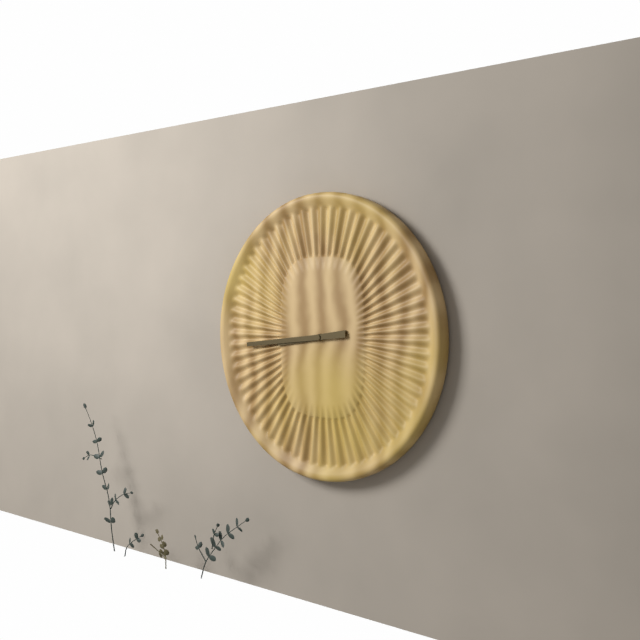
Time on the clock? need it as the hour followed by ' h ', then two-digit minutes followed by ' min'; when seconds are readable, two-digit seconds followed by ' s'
8 h 44 min
